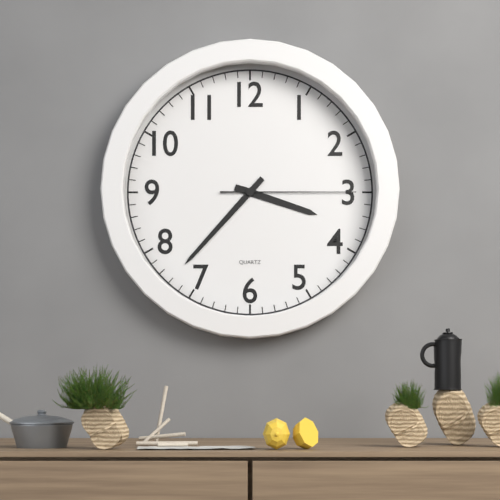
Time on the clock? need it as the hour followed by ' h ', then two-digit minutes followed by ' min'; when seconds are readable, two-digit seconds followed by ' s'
3 h 37 min 15 s
